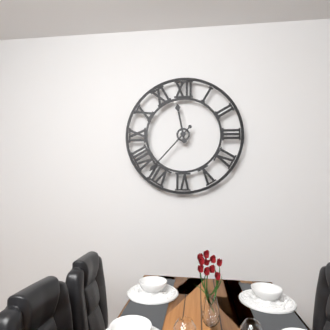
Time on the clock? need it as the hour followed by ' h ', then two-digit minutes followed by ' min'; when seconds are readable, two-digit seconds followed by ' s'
11 h 37 min
